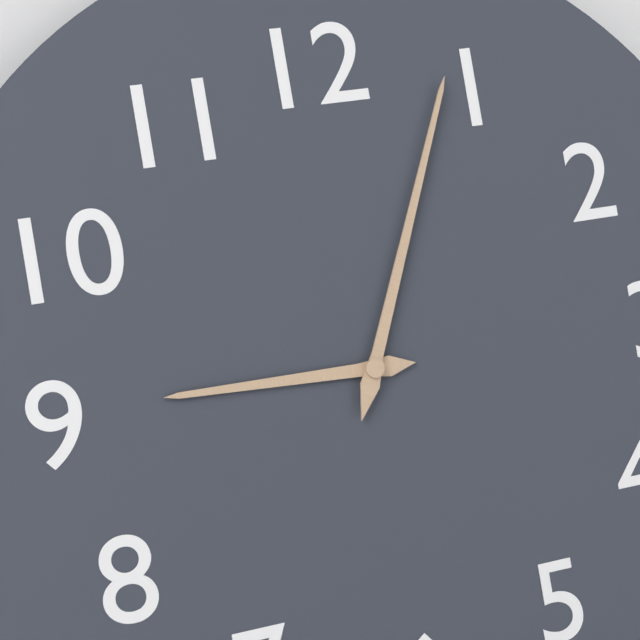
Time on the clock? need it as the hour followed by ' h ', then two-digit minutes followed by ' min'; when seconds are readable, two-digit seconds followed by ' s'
9 h 04 min
